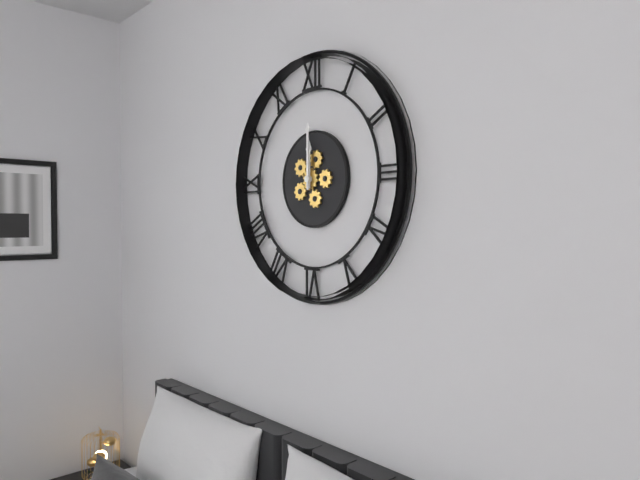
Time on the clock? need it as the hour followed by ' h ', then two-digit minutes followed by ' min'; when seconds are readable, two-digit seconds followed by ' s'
12 h 00 min
